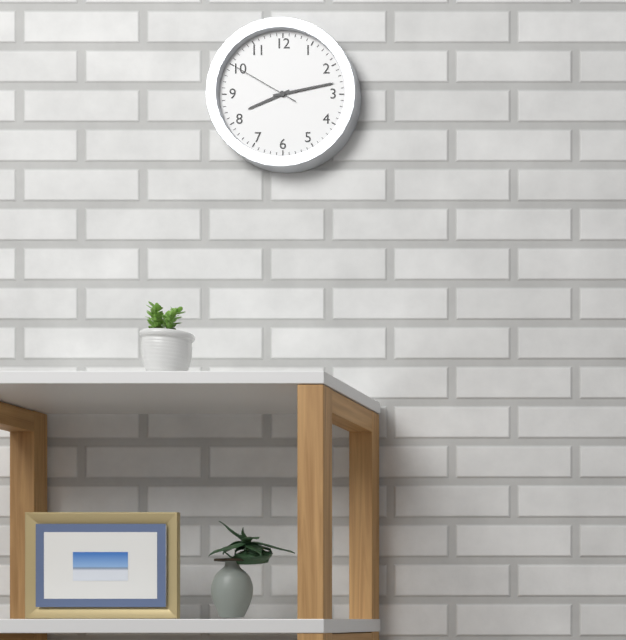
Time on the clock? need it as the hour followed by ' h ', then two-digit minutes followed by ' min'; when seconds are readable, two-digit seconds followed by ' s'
8 h 13 min 50 s
